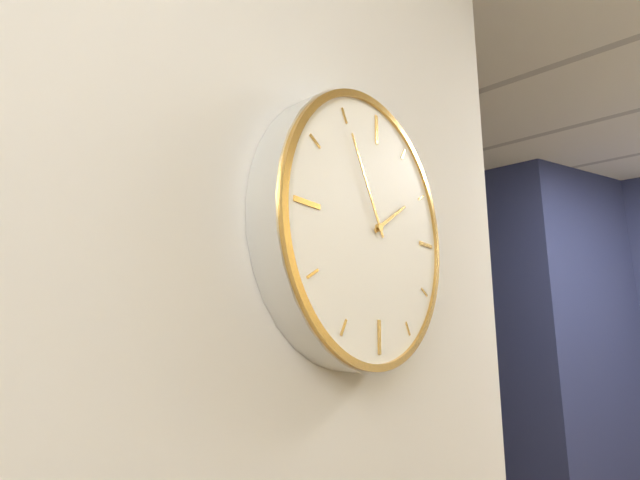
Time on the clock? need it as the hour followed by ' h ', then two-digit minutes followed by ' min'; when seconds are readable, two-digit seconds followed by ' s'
1 h 55 min
